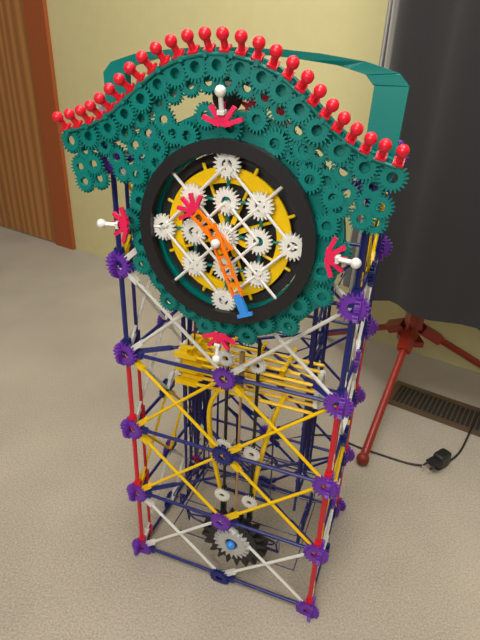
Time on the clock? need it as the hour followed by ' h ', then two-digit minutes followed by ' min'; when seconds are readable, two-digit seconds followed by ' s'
10 h 26 min
